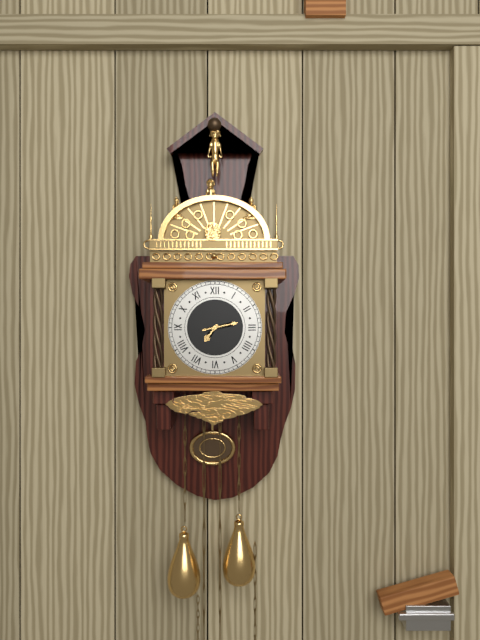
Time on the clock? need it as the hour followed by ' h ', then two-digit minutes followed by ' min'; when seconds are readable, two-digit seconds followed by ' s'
7 h 13 min
